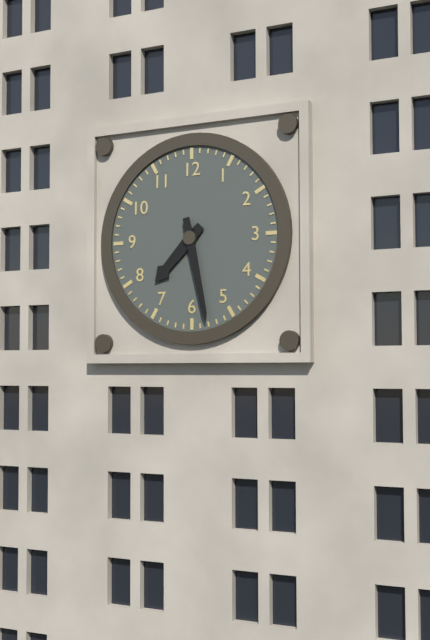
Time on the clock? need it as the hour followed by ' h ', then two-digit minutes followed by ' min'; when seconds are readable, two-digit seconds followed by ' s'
7 h 28 min
